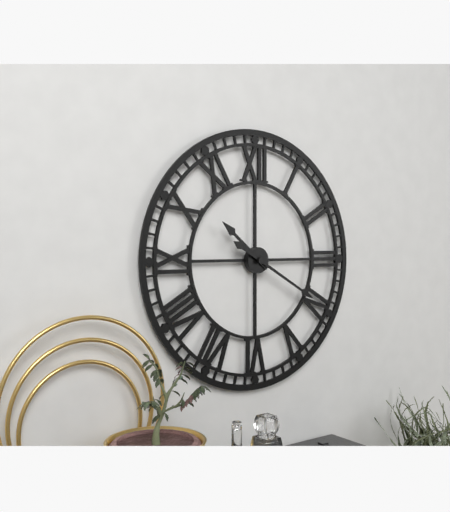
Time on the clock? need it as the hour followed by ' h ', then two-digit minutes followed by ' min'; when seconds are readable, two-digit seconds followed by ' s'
10 h 20 min
